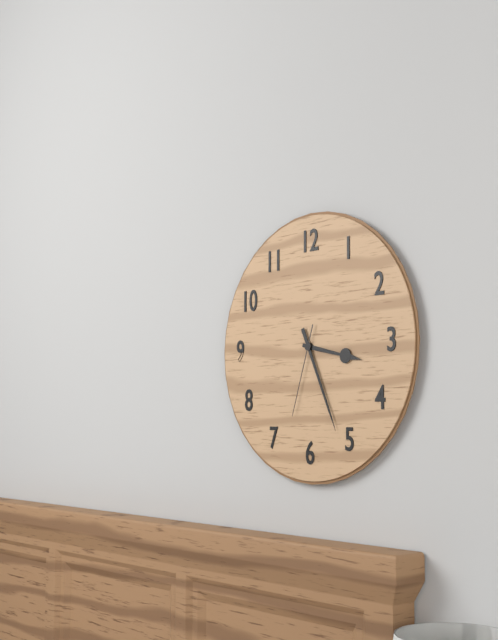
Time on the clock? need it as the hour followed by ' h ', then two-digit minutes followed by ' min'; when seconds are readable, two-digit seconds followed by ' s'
3 h 26 min 33 s
